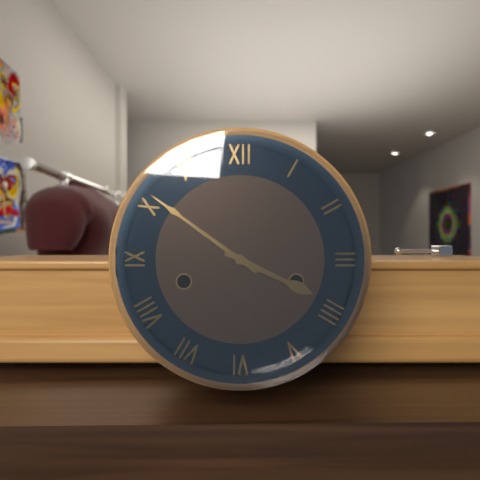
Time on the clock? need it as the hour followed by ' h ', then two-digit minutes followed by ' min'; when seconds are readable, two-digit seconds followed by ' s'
3 h 51 min
